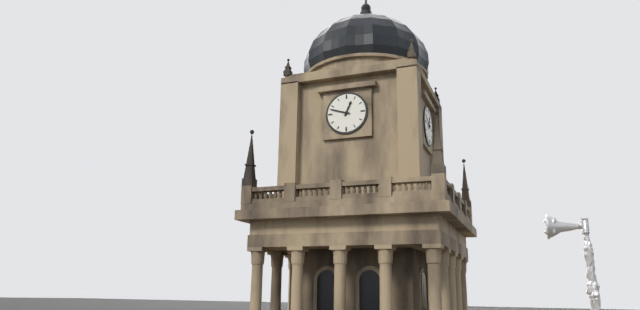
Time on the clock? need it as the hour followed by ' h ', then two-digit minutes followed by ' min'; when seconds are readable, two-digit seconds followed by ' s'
12 h 48 min
